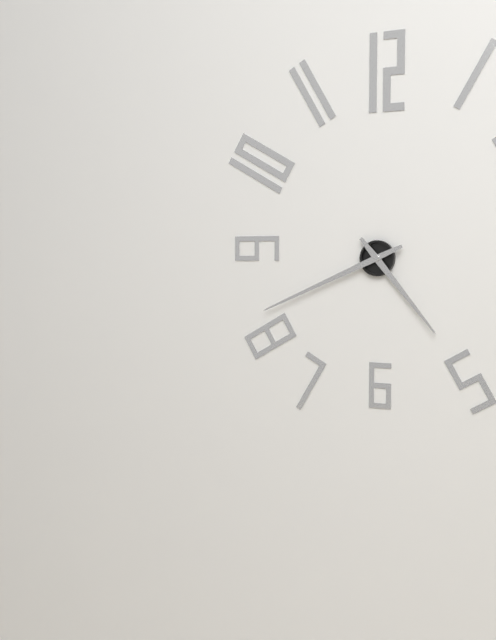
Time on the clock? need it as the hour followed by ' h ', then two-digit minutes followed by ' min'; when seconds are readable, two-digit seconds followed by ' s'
4 h 41 min
